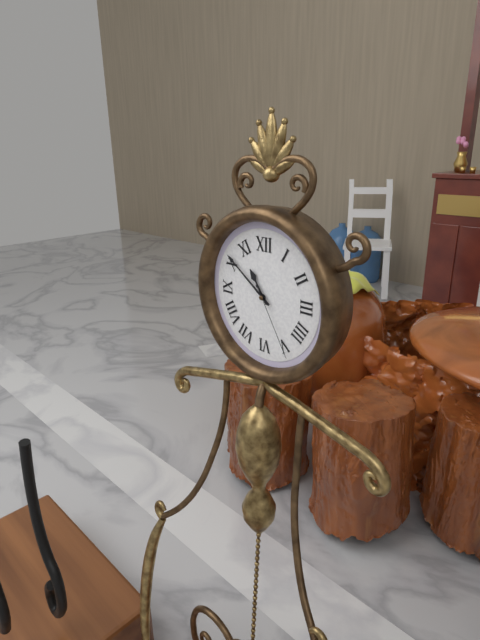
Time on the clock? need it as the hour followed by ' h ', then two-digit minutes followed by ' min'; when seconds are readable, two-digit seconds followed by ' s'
10 h 51 min 25 s
